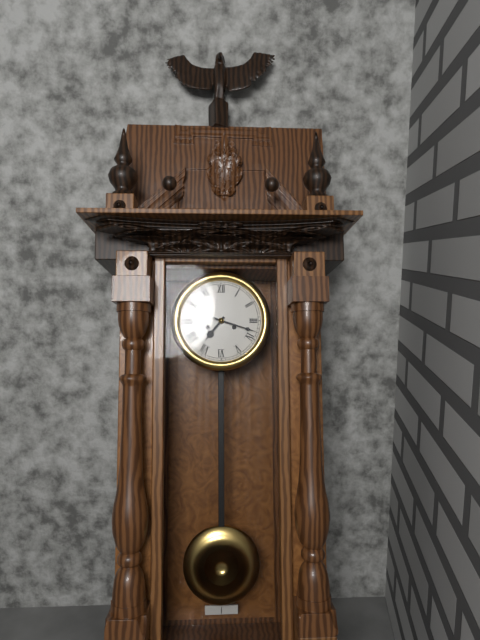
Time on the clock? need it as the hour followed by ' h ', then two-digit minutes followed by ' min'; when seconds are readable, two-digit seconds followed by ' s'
7 h 18 min
